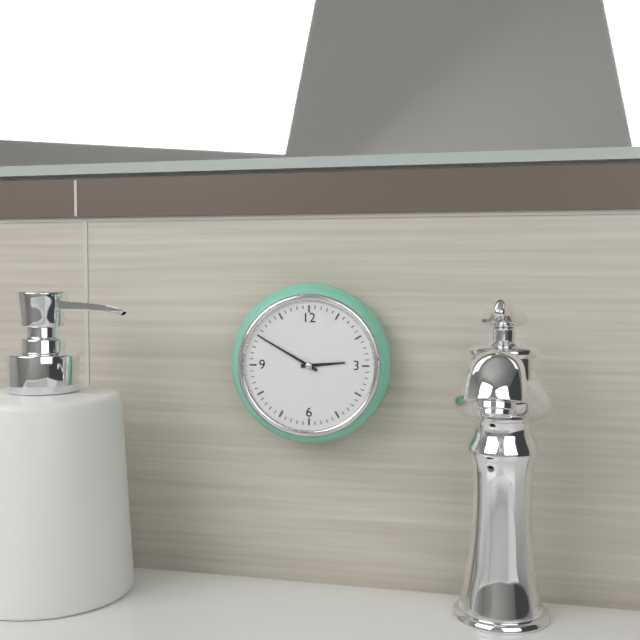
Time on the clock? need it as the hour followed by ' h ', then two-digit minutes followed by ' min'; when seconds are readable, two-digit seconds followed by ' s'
2 h 50 min
